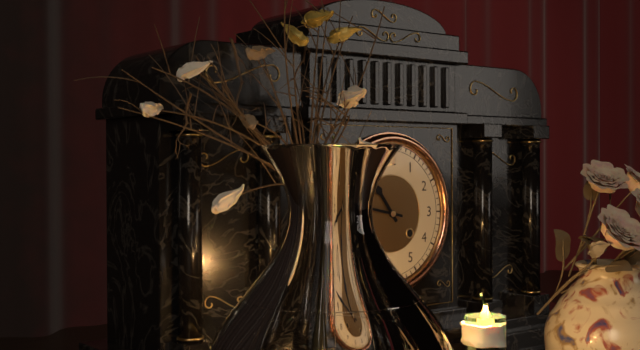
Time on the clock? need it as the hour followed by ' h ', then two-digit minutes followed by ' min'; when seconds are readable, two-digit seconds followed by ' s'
10 h 47 min
